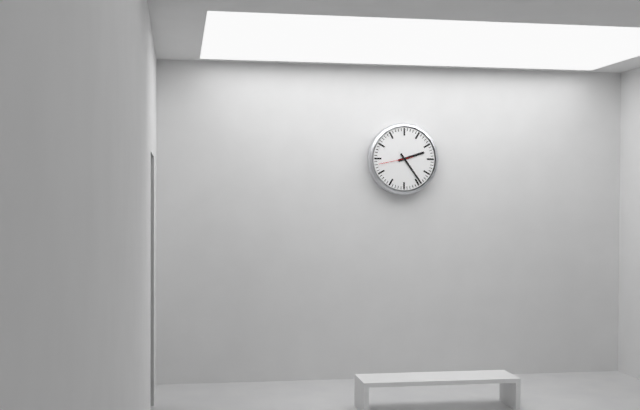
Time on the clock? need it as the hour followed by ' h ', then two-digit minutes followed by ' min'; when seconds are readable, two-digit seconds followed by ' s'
2 h 24 min
